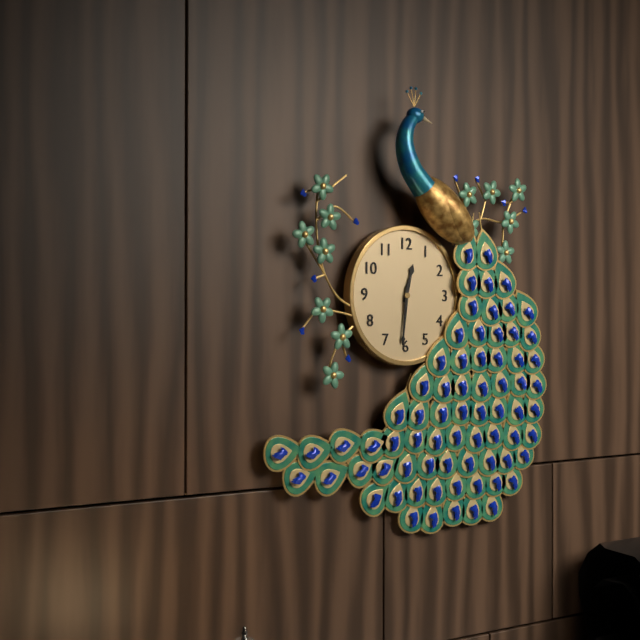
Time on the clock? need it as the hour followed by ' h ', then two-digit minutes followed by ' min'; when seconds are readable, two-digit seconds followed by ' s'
12 h 31 min
